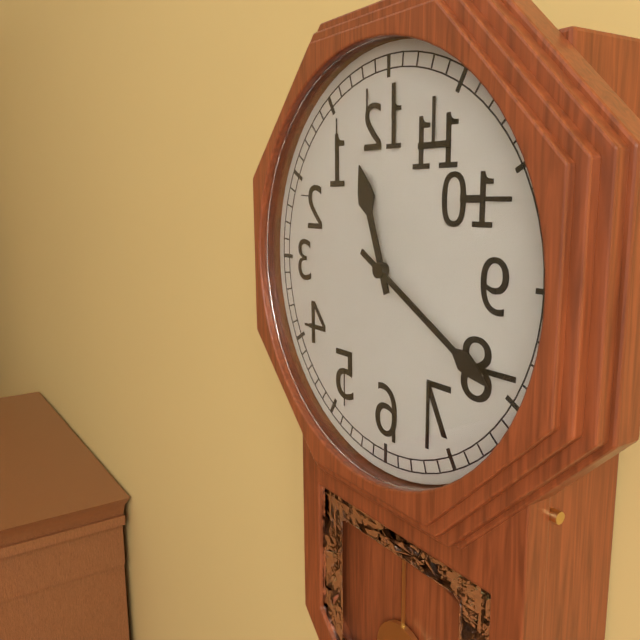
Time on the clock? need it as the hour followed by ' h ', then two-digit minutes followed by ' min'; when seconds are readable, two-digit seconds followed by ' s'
11 h 20 min
